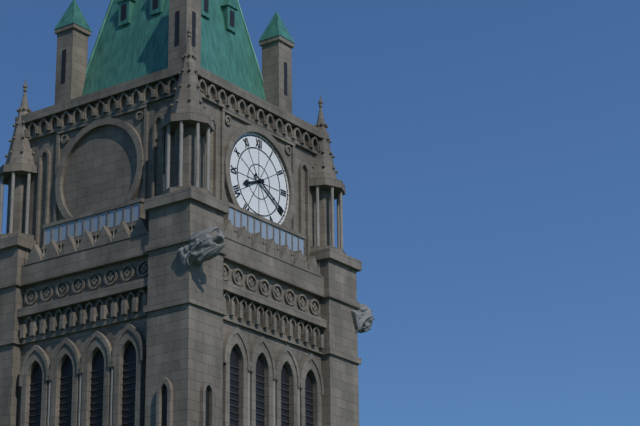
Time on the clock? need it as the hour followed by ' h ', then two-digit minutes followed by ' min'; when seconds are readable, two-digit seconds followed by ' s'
8 h 20 min
